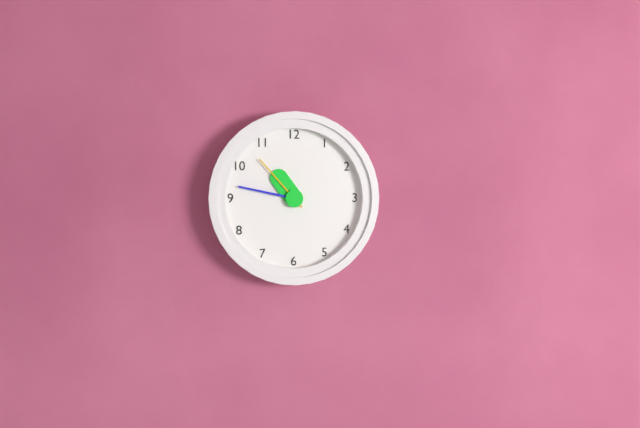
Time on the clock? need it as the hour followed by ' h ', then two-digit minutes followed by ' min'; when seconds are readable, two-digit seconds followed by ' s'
10 h 47 min 53 s
